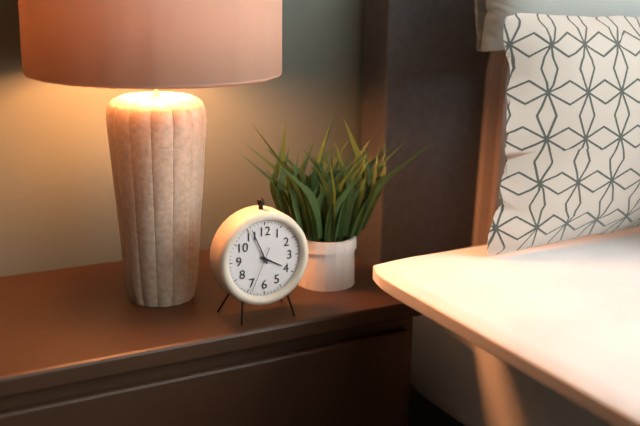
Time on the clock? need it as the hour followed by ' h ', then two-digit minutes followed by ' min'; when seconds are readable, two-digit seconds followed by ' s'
3 h 56 min
